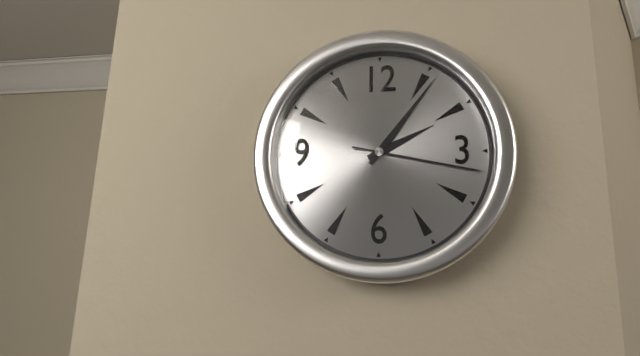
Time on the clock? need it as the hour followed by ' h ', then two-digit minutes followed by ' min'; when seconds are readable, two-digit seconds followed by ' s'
2 h 06 min 17 s
